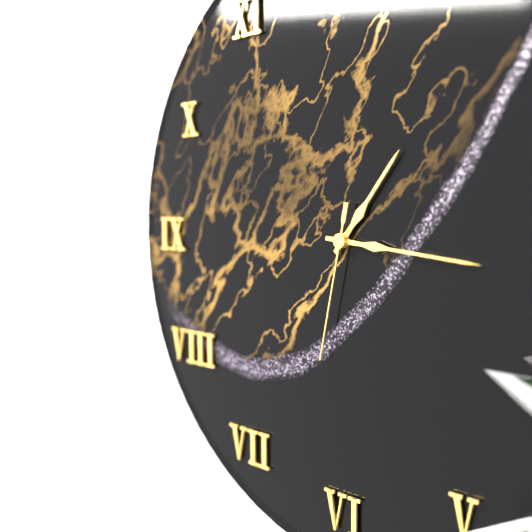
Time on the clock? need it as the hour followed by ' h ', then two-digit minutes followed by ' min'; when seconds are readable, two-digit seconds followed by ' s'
1 h 16 min 32 s
